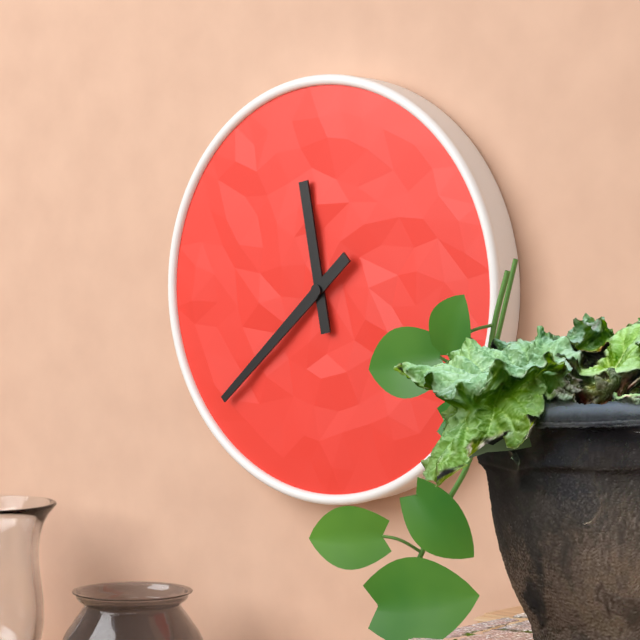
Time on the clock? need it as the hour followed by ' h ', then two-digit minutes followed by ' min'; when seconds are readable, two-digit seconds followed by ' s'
11 h 38 min
